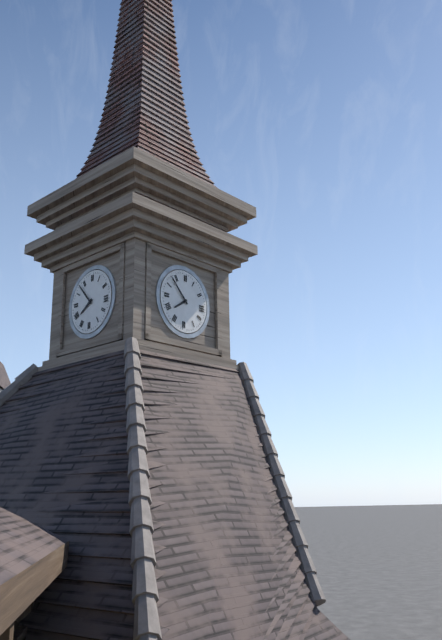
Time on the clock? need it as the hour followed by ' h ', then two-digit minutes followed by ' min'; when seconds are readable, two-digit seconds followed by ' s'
7 h 53 min
